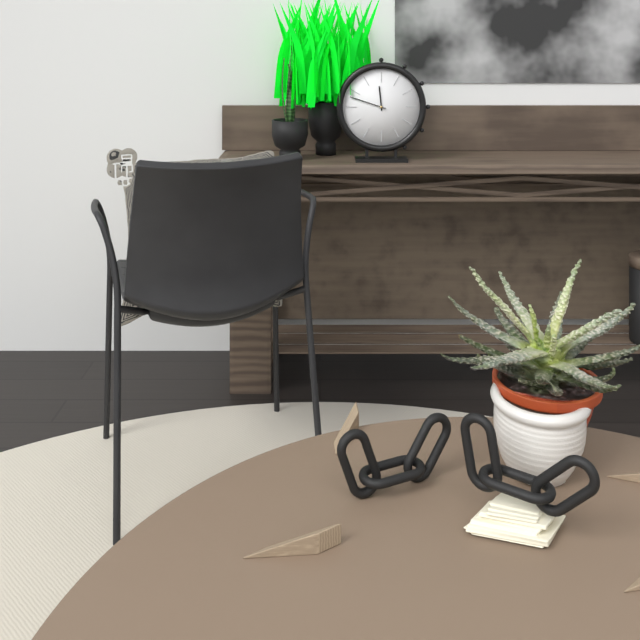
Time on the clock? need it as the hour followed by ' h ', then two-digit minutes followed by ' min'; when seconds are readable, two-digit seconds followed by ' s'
11 h 48 min
